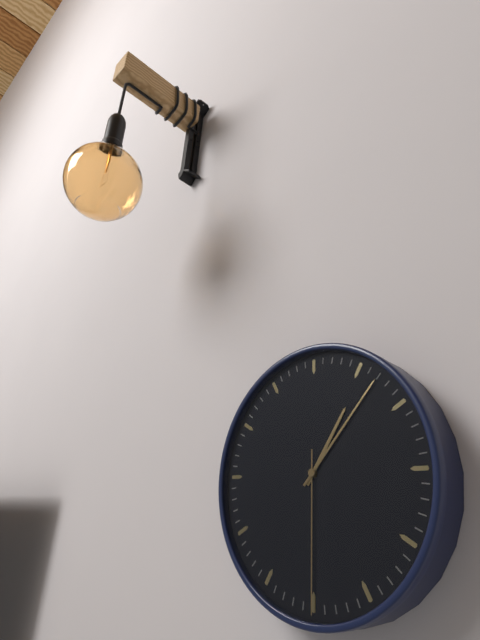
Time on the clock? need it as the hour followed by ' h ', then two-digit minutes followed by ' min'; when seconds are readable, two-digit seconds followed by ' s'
1 h 07 min 30 s
